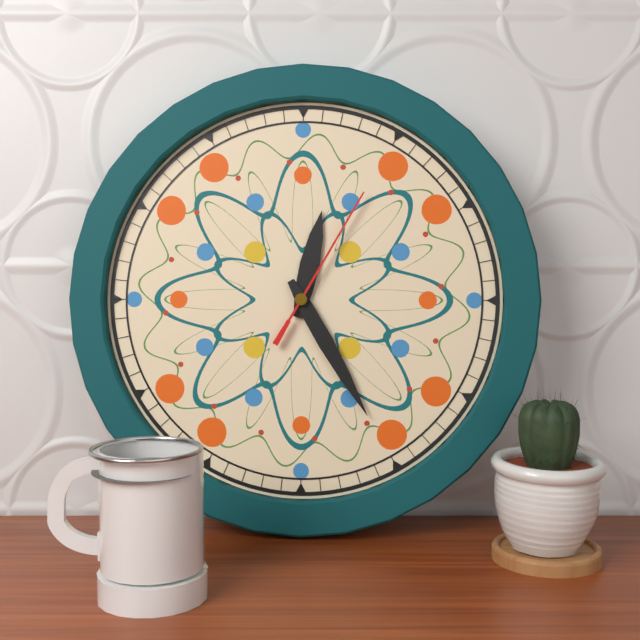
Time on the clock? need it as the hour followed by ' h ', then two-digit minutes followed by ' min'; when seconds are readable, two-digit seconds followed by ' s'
12 h 25 min 05 s
